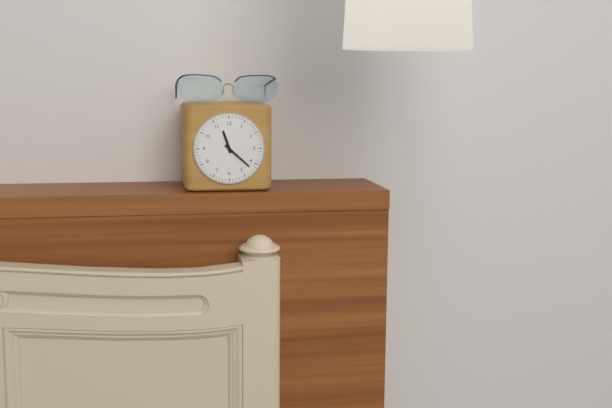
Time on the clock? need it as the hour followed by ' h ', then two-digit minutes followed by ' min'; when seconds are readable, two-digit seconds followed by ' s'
11 h 22 min
